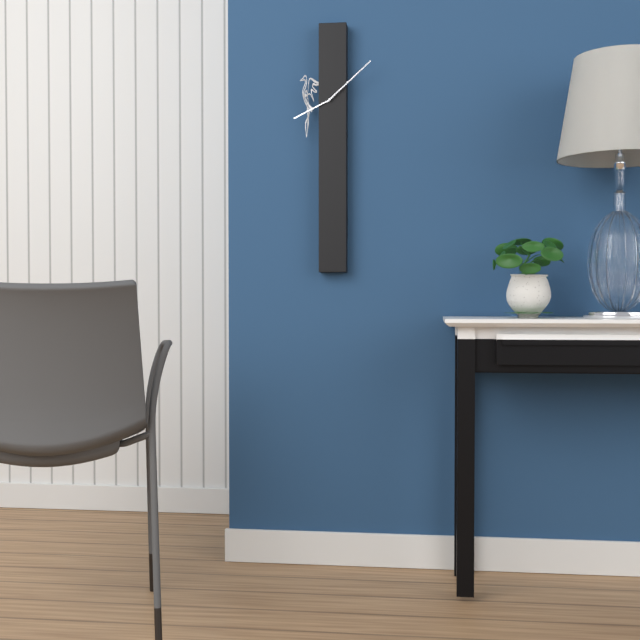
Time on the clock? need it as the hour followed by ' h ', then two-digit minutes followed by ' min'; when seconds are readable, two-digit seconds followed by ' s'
8 h 08 min
